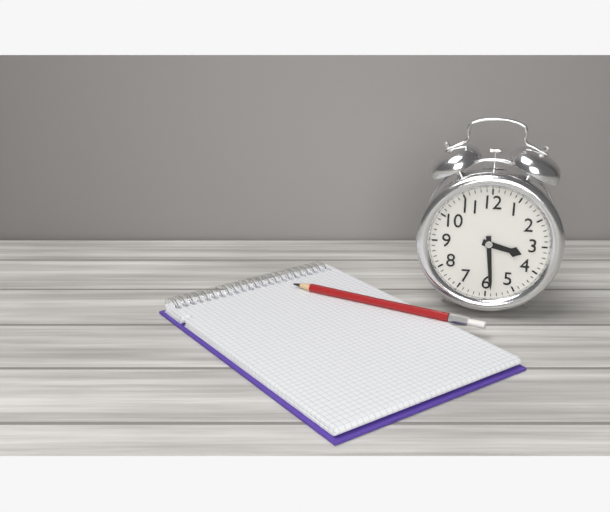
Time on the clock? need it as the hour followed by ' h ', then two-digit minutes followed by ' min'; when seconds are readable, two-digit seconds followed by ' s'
3 h 29 min
